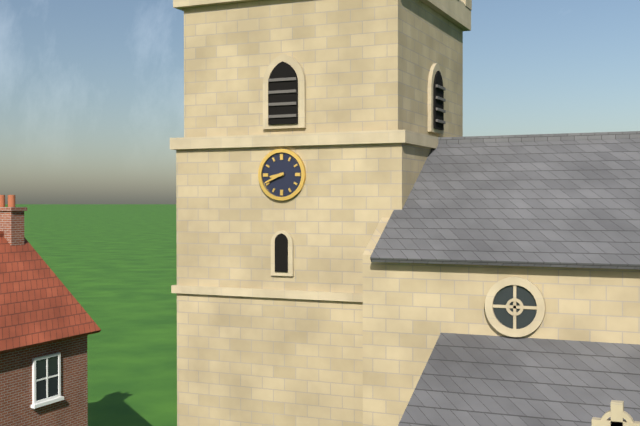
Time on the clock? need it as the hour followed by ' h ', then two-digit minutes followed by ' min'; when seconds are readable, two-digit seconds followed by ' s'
8 h 41 min
